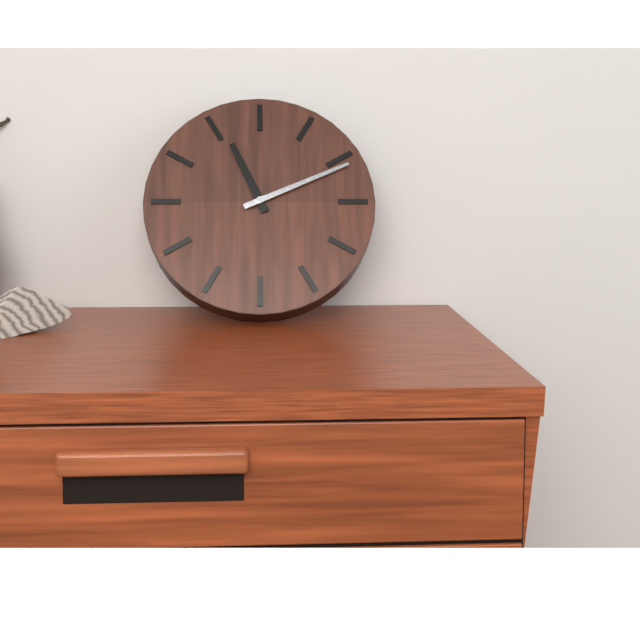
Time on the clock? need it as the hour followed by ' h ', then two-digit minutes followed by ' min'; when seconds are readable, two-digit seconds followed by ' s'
11 h 11 min
